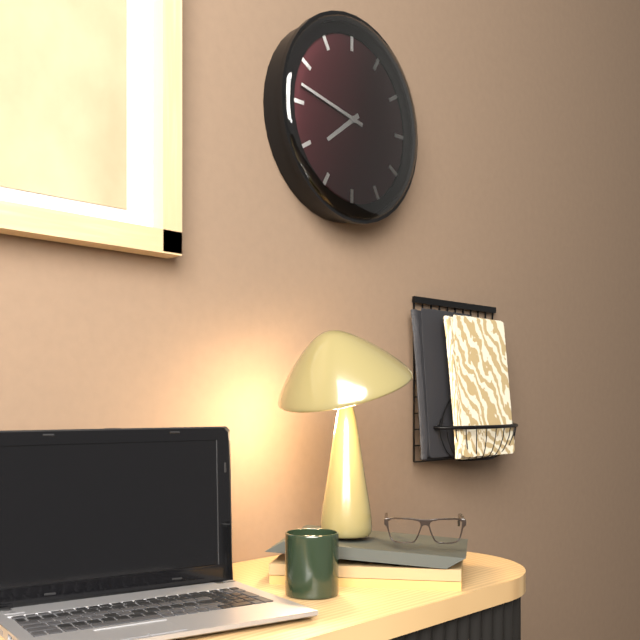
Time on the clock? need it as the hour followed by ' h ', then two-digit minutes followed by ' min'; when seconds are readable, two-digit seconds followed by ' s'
7 h 47 min
